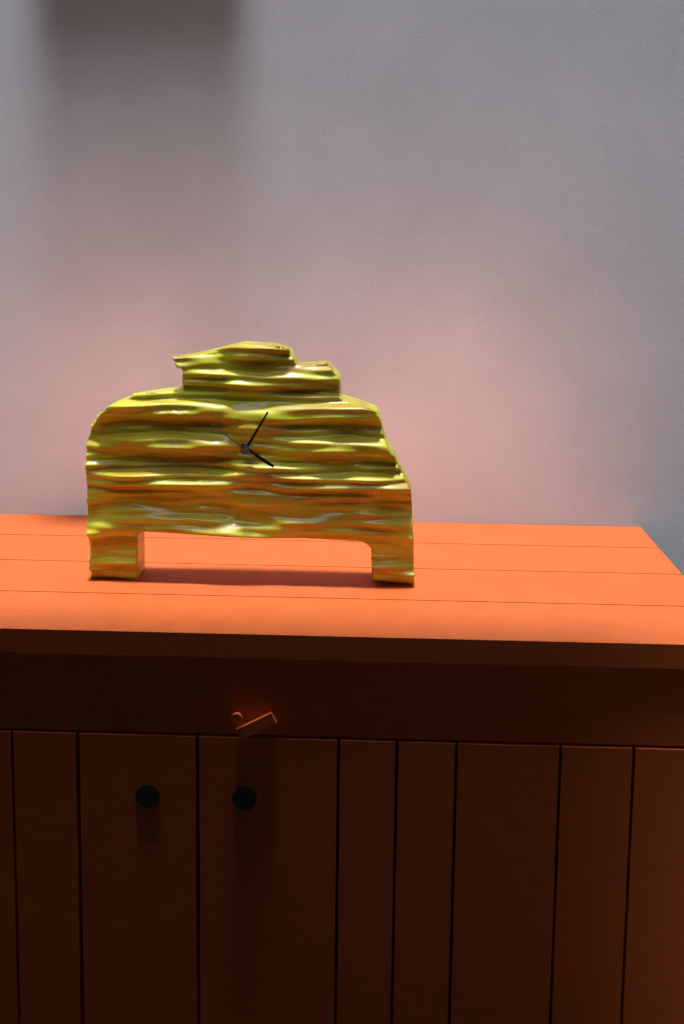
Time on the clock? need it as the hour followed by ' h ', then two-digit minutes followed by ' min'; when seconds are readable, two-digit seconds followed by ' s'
4 h 05 min 51 s
